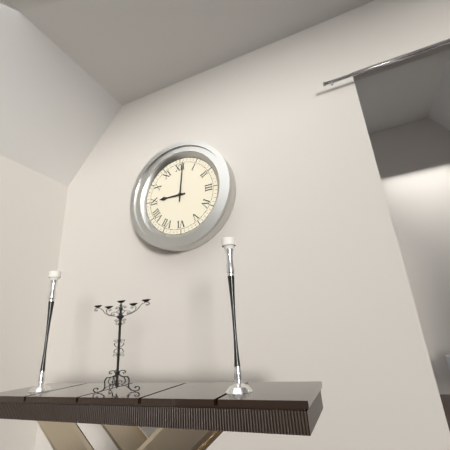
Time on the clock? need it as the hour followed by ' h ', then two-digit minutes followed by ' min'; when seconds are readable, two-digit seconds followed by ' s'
9 h 01 min
